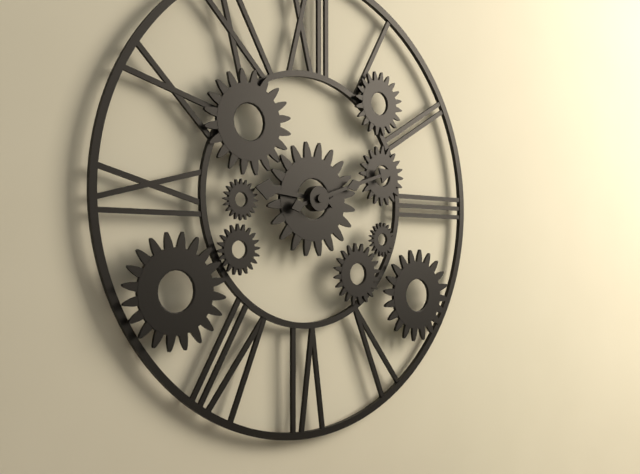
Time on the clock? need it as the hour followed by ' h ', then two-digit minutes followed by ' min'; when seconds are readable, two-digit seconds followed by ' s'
9 h 12 min
